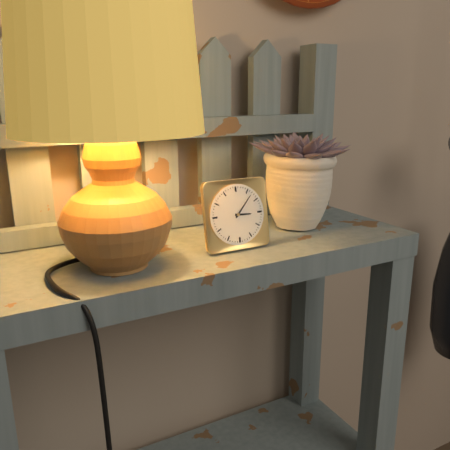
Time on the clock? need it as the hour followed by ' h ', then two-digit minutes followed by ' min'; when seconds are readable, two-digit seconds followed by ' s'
3 h 07 min
